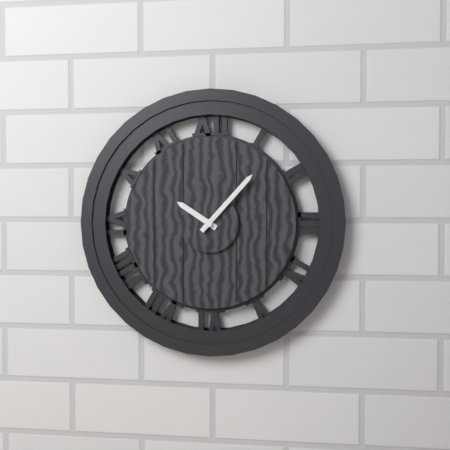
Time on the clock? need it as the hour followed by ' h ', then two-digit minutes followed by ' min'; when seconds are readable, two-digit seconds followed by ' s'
10 h 07 min
